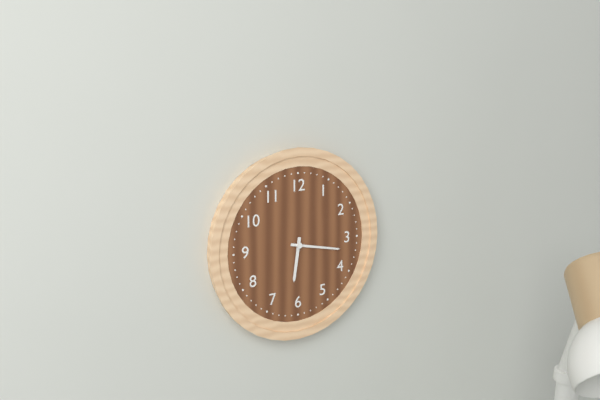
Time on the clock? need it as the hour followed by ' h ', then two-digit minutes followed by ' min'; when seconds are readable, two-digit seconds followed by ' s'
6 h 17 min
